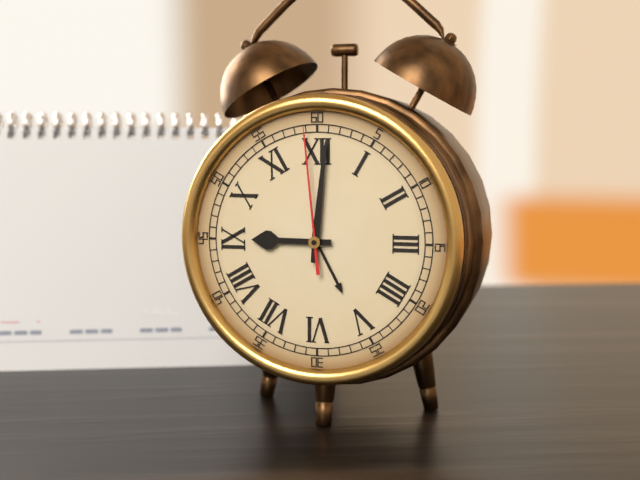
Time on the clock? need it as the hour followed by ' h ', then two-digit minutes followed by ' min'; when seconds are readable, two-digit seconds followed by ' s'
9 h 01 min 59 s
